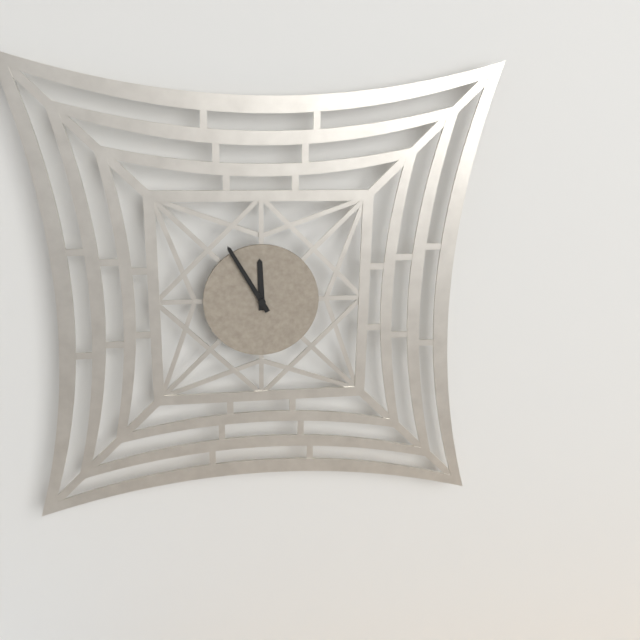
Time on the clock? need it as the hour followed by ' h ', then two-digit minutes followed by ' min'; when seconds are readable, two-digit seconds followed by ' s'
11 h 55 min
